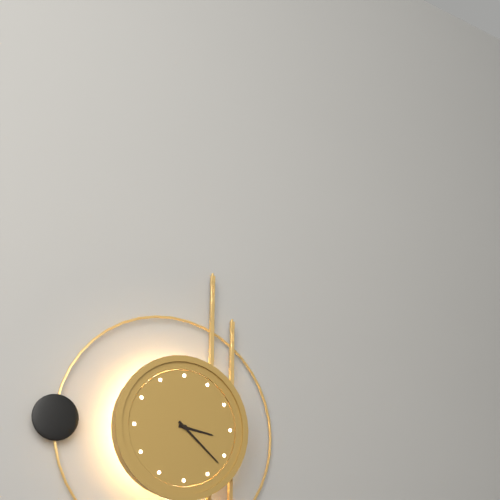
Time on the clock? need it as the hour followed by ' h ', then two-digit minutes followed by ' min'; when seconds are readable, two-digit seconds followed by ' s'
3 h 22 min
